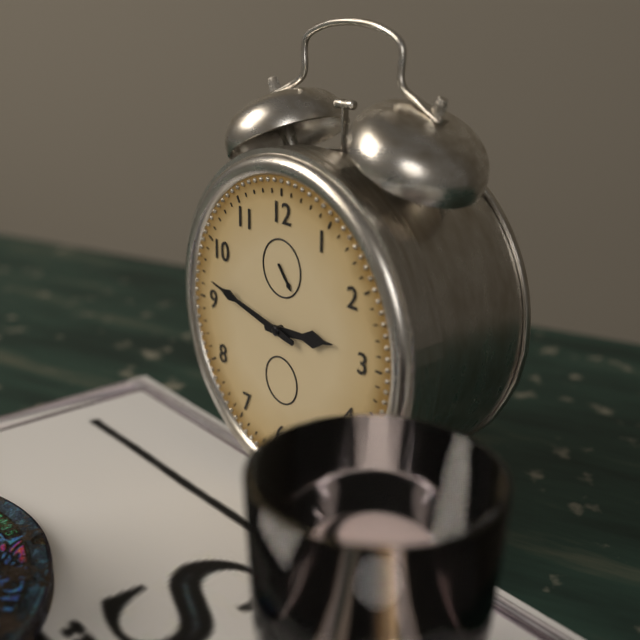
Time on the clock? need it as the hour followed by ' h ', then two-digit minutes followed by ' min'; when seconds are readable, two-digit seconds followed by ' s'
2 h 47 min
